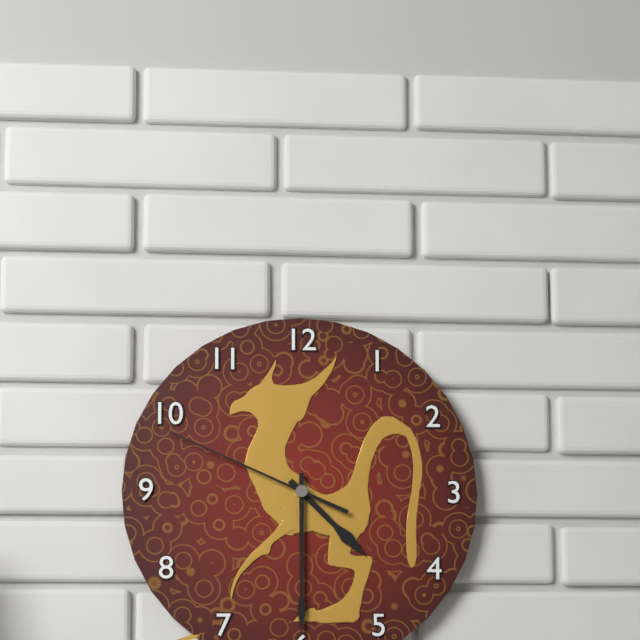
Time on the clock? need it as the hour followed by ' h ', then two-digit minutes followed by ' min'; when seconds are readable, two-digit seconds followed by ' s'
4 h 30 min 49 s
